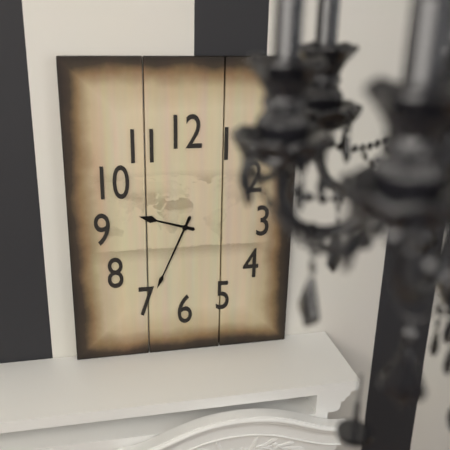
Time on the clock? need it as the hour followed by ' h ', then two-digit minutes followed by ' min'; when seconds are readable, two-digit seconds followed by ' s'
9 h 34 min
